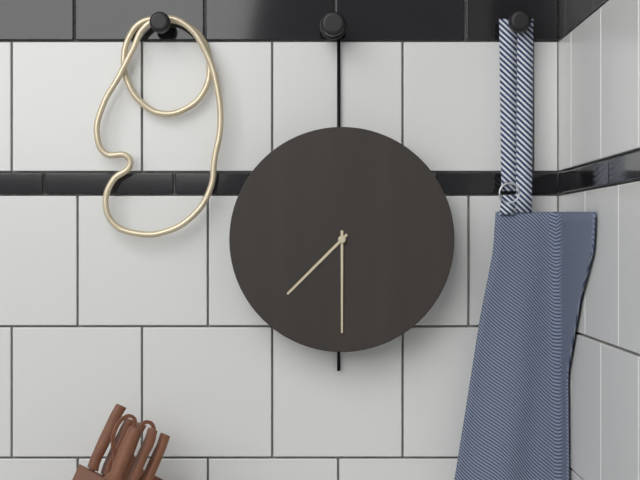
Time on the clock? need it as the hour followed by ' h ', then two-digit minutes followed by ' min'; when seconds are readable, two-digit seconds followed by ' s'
7 h 30 min
